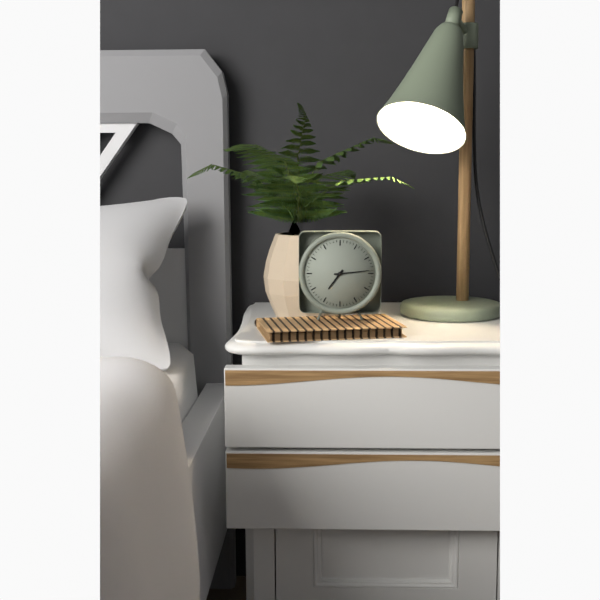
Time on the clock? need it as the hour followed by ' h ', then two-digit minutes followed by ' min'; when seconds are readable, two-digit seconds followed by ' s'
7 h 14 min
